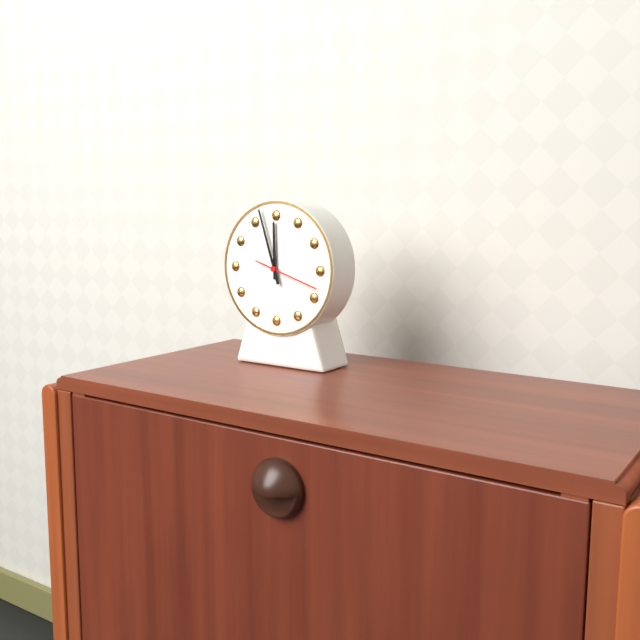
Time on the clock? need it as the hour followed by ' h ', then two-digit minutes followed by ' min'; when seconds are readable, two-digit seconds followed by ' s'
11 h 57 min 18 s
